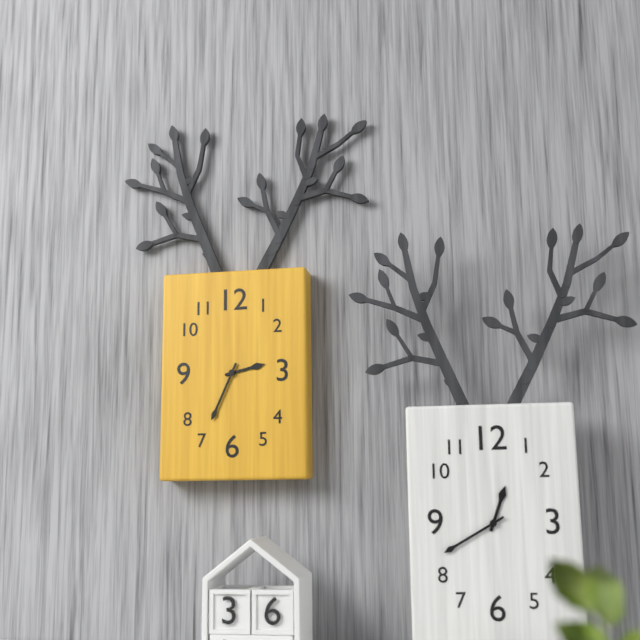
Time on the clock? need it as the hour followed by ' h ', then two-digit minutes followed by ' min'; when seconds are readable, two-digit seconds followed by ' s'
2 h 34 min
